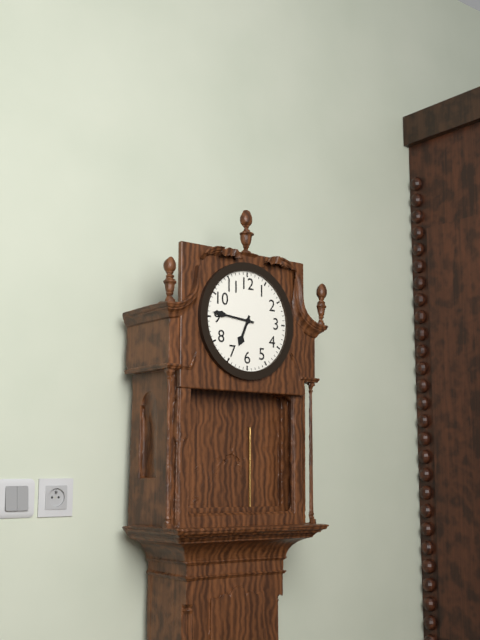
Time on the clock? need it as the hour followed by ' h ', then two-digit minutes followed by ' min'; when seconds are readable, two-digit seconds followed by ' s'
6 h 46 min
